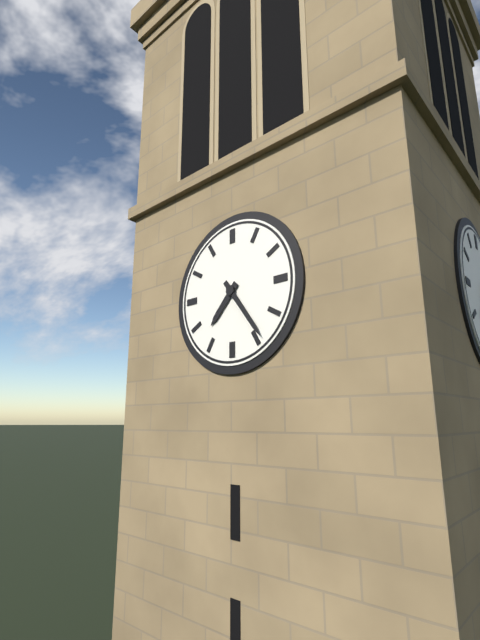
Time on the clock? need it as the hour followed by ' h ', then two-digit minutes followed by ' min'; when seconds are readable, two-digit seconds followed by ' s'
7 h 24 min
